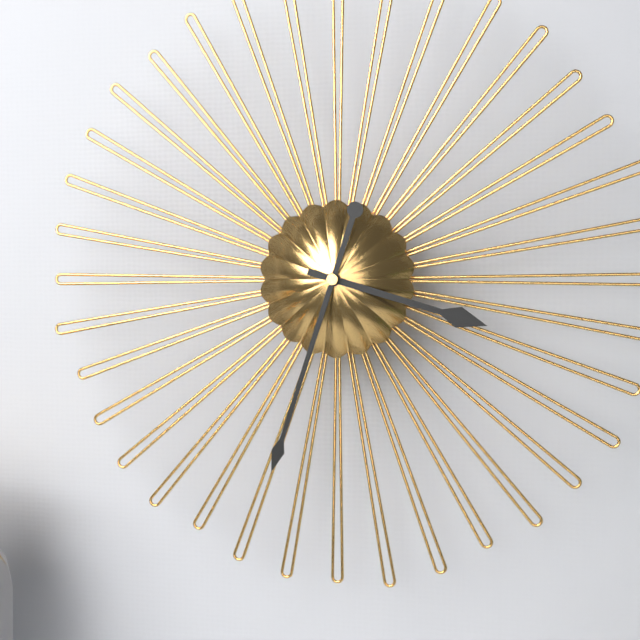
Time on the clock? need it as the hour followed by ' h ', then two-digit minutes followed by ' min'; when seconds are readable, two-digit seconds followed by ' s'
3 h 33 min
